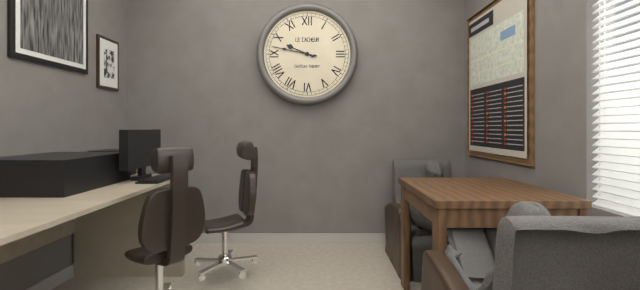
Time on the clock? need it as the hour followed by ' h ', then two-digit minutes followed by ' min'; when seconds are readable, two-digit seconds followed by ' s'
9 h 47 min
